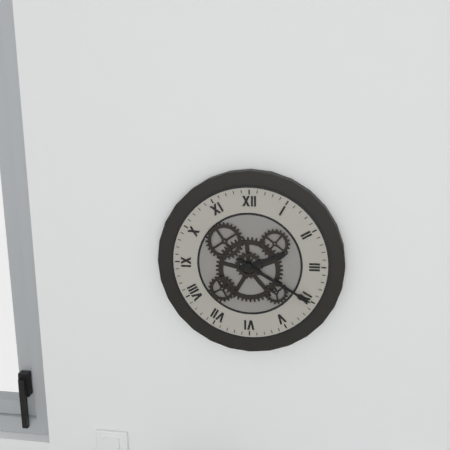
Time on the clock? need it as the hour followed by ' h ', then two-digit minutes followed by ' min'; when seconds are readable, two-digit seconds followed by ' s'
2 h 20 min
